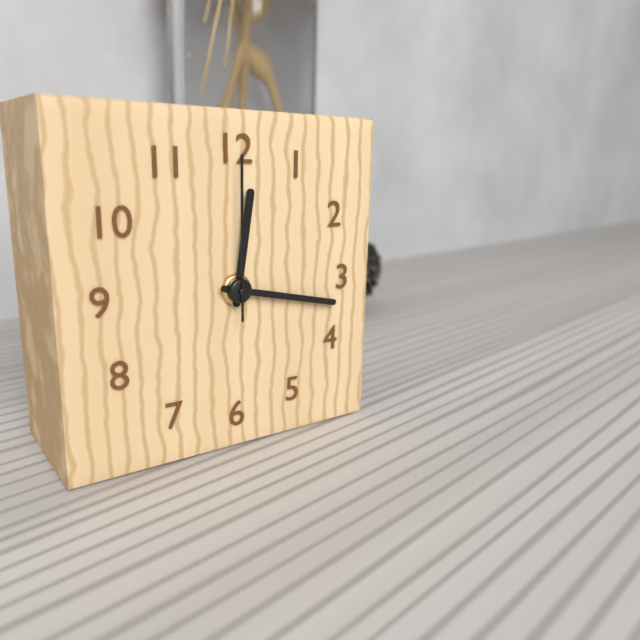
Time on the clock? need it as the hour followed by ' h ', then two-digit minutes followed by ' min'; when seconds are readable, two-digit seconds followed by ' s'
12 h 17 min 00 s
